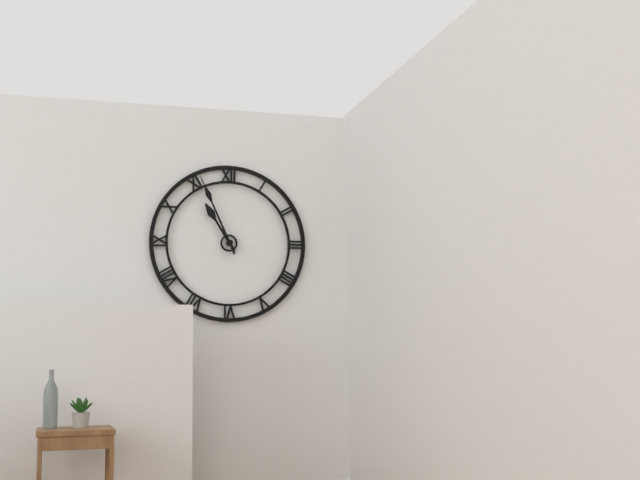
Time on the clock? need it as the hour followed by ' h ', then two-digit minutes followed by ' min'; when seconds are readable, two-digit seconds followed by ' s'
10 h 56 min
